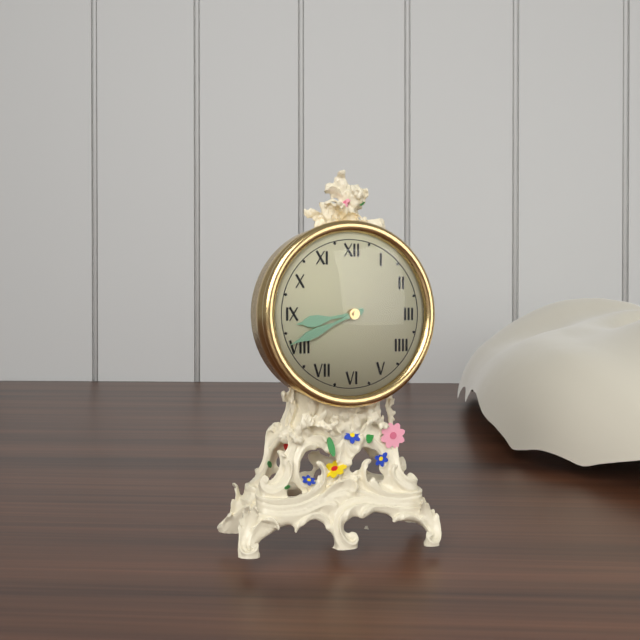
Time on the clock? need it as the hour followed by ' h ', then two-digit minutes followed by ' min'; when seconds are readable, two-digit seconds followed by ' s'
8 h 41 min
